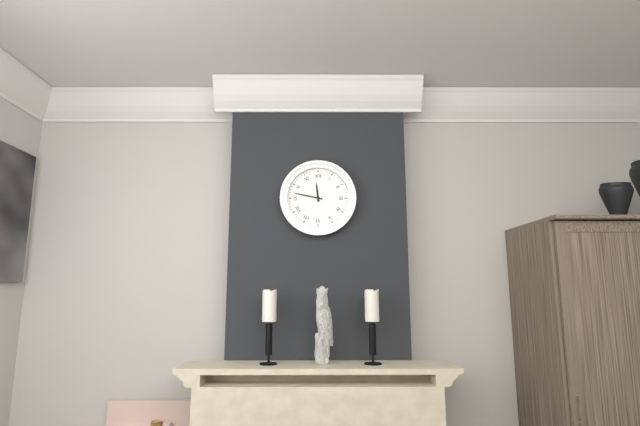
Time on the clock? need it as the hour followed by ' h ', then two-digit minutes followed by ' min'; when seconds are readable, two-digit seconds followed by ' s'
11 h 47 min
